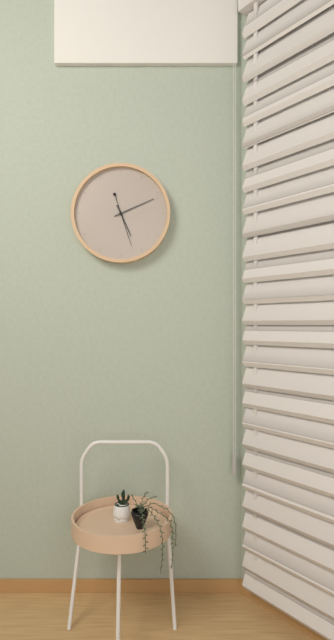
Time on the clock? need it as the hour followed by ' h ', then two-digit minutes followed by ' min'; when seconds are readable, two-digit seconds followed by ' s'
5 h 11 min
